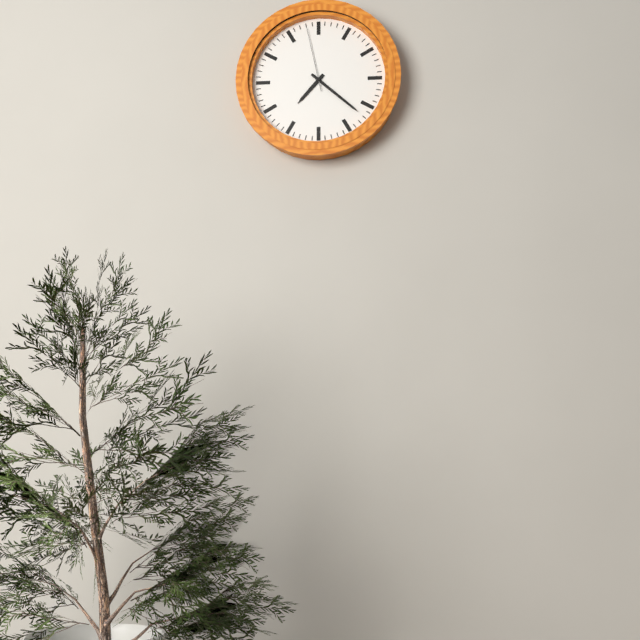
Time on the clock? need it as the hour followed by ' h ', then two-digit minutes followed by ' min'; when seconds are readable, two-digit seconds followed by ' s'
7 h 22 min 58 s
